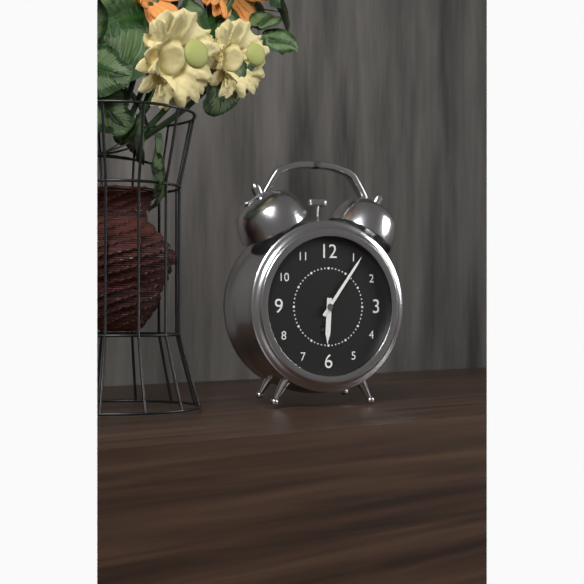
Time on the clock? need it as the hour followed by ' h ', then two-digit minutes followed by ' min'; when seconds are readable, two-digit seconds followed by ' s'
6 h 06 min
